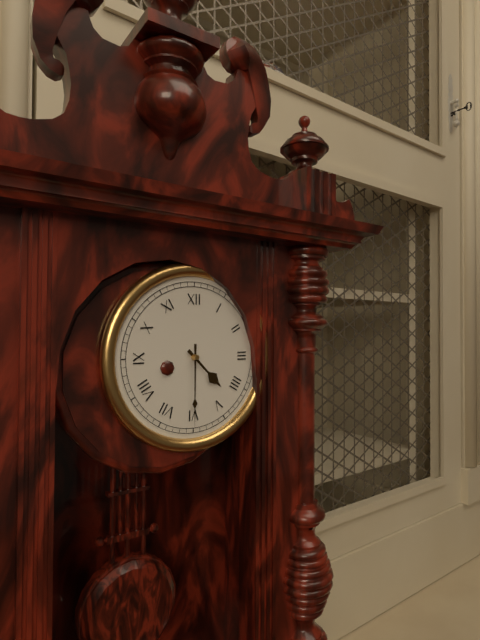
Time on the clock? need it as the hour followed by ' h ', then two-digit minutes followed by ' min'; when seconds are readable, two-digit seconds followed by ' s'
4 h 30 min
